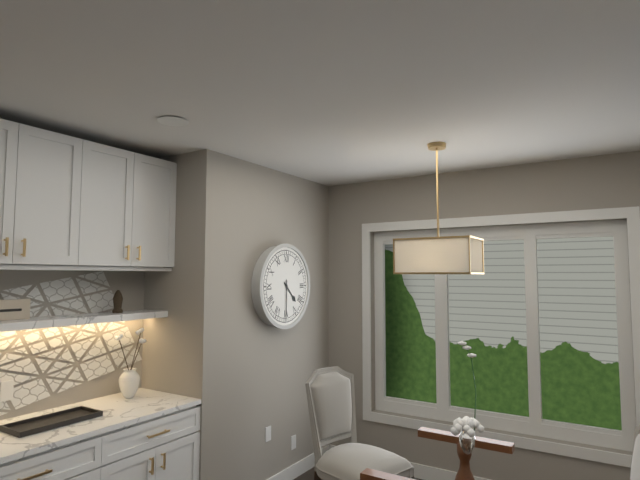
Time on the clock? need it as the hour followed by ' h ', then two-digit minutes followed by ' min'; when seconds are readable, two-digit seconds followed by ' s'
4 h 30 min
